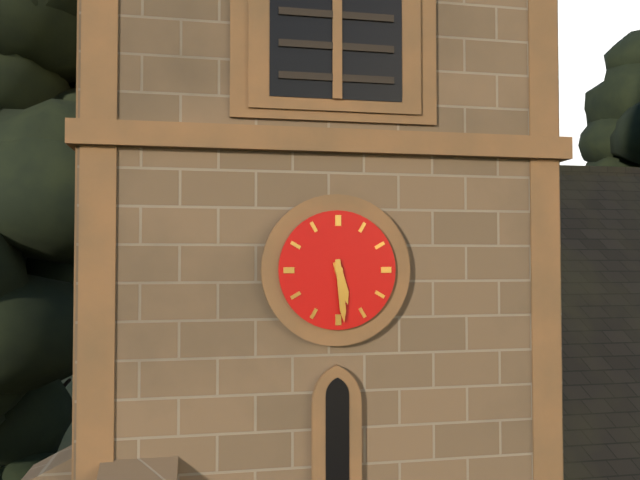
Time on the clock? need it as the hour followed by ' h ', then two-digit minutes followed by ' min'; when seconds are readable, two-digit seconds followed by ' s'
5 h 29 min
